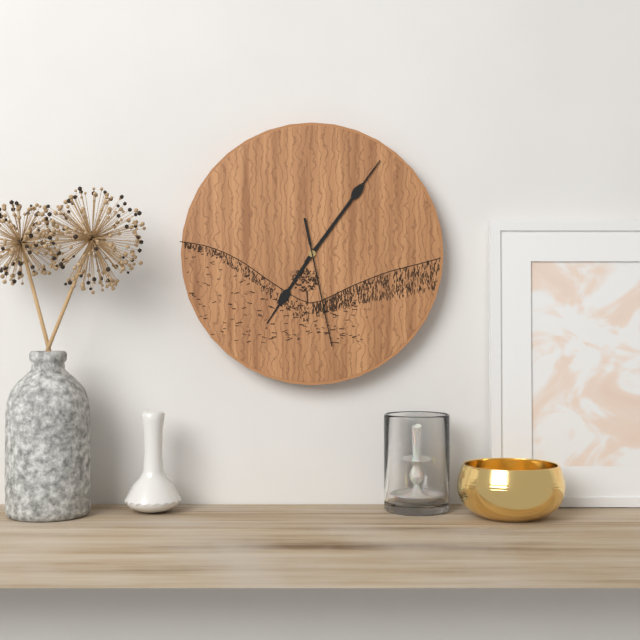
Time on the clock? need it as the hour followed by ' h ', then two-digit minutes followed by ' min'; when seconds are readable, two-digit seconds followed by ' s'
7 h 06 min 28 s
